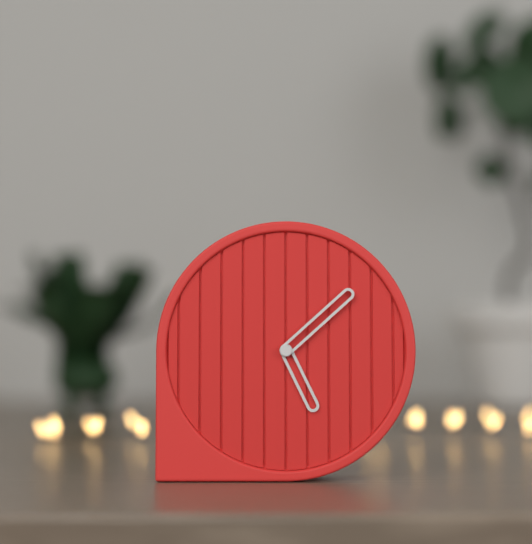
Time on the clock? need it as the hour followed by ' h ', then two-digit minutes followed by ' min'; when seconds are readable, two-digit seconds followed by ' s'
5 h 08 min
